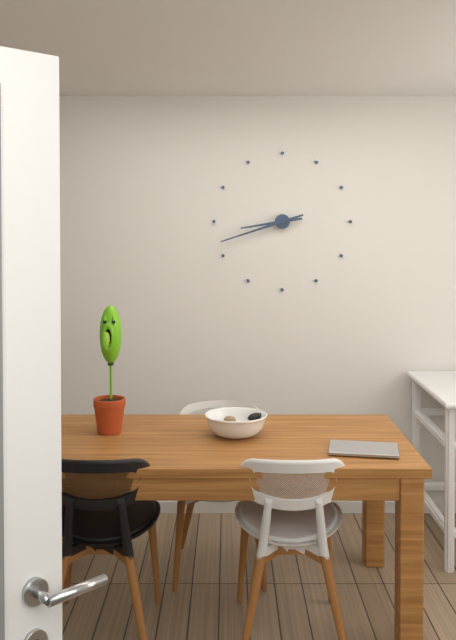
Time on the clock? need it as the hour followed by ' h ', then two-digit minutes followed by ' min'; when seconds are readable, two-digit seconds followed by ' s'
8 h 42 min
